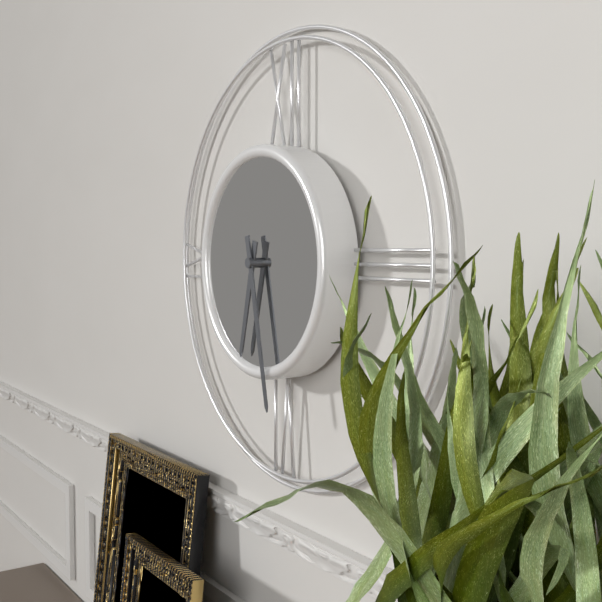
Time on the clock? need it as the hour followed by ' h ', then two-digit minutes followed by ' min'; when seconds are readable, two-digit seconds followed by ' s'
6 h 28 min
